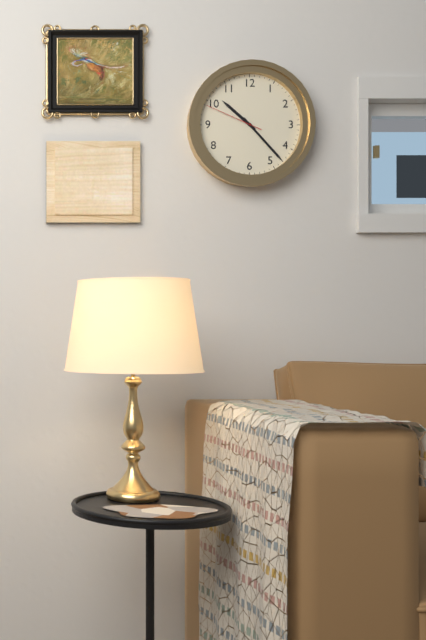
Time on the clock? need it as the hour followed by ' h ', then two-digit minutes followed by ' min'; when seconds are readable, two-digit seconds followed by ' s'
10 h 23 min 49 s
